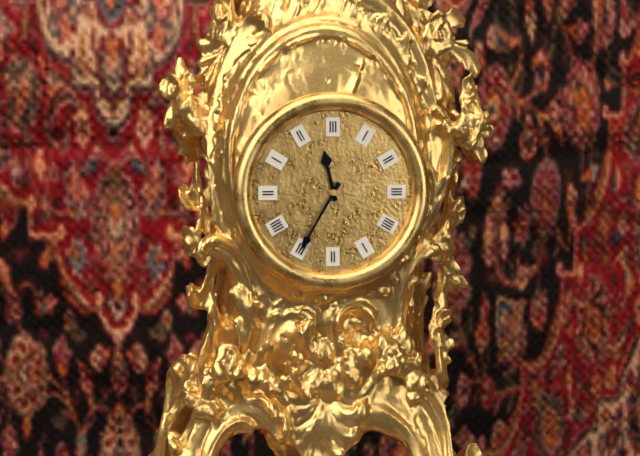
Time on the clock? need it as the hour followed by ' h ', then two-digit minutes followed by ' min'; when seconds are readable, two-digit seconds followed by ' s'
11 h 35 min
